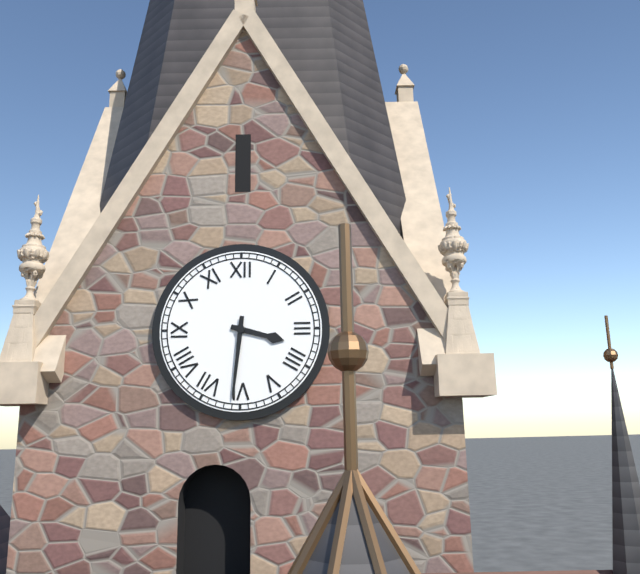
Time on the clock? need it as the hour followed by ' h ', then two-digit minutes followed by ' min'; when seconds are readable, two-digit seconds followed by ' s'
3 h 31 min
